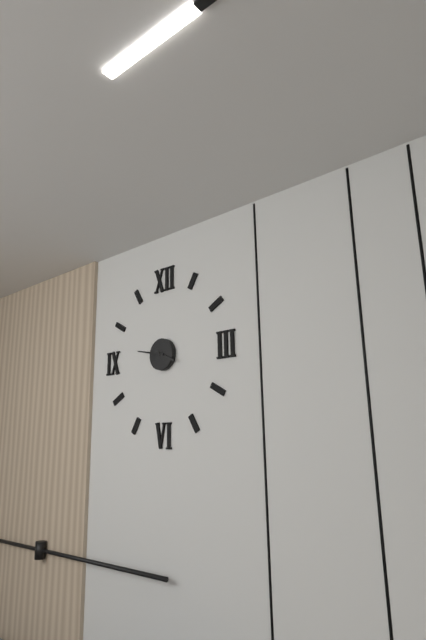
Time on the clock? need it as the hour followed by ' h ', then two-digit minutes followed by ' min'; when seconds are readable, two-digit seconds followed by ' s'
3 h 47 min
